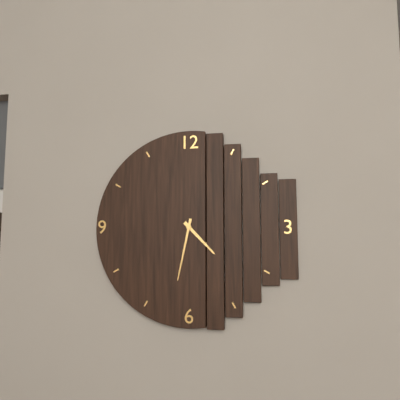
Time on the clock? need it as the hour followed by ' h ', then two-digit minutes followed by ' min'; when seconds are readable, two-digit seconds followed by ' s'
4 h 32 min
